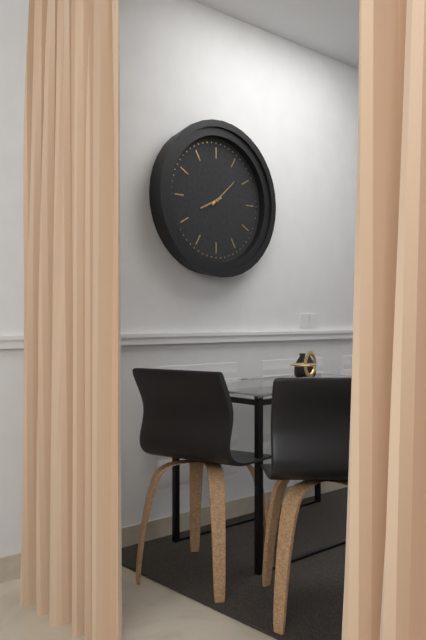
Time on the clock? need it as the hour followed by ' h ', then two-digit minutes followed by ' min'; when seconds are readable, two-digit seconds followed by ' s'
8 h 08 min
